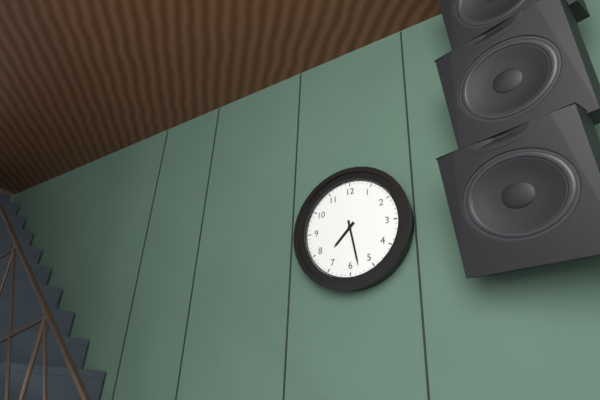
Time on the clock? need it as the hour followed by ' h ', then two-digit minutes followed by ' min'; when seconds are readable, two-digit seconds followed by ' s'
7 h 28 min
